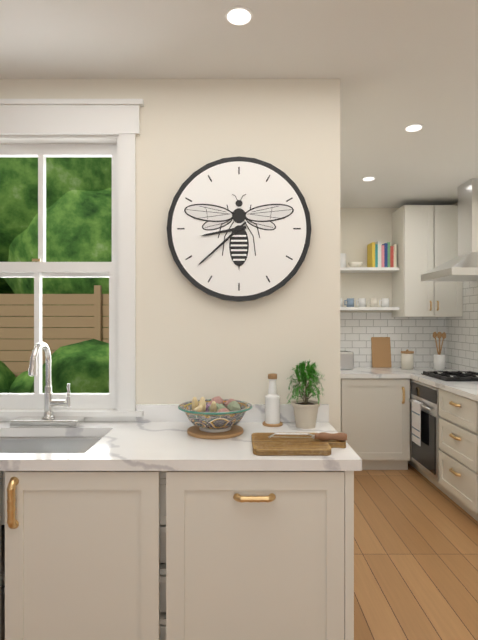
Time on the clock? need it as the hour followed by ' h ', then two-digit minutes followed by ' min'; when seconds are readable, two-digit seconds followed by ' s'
8 h 38 min
